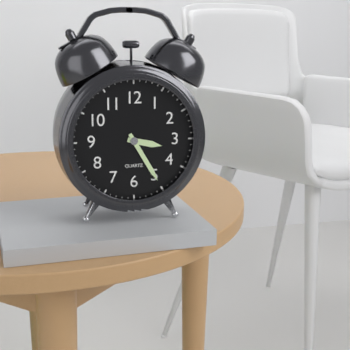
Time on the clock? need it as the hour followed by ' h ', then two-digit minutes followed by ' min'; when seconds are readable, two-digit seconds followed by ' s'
3 h 25 min
